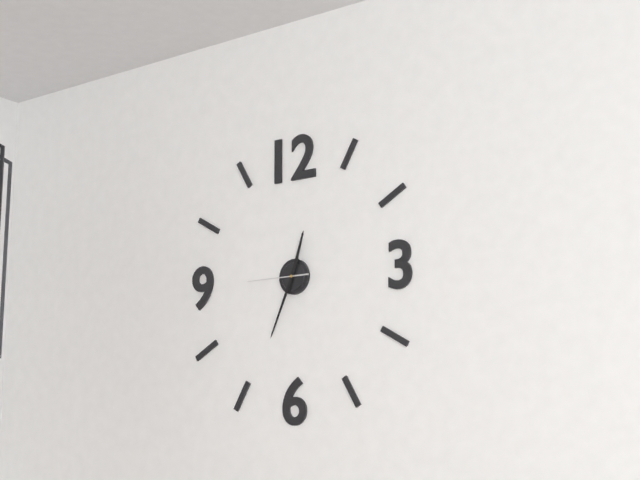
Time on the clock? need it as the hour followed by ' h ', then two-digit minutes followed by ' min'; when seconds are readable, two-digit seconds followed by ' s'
12 h 34 min 45 s
